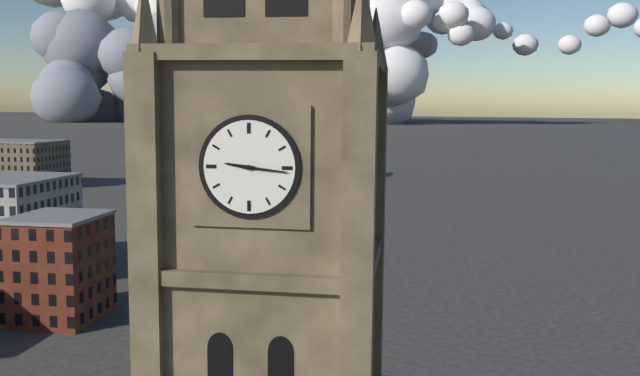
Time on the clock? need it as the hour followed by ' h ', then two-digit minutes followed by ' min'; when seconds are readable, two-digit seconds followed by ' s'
9 h 16 min
